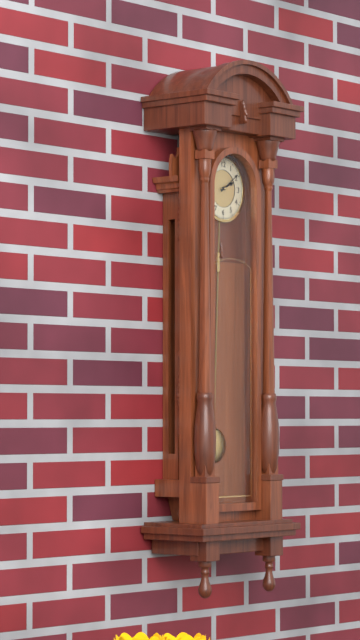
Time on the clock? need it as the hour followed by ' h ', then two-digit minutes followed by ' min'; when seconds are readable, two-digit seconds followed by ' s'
2 h 09 min
